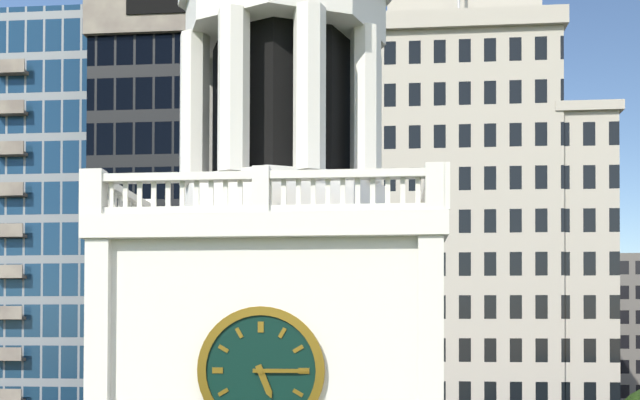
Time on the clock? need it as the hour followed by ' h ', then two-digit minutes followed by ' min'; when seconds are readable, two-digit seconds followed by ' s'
5 h 15 min
